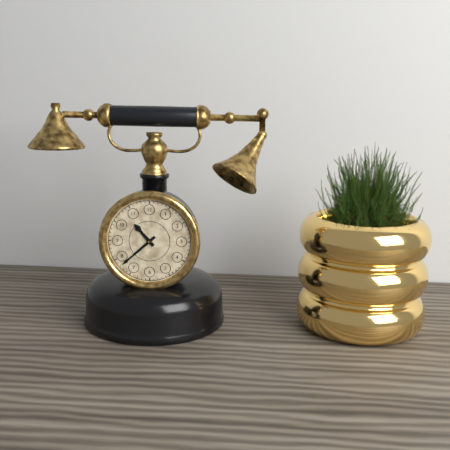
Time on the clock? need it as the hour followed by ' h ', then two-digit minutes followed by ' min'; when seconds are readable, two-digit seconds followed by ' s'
10 h 38 min
